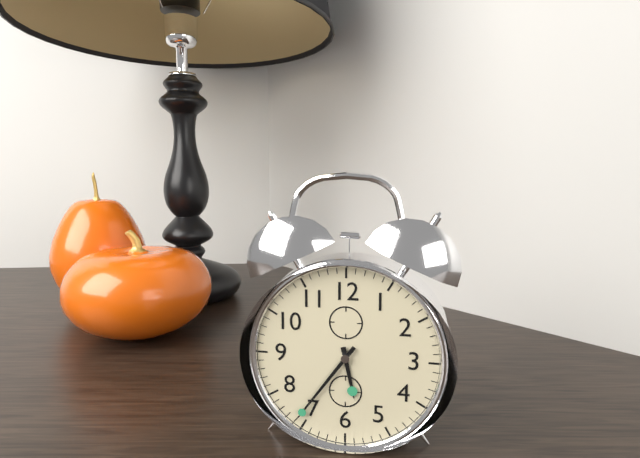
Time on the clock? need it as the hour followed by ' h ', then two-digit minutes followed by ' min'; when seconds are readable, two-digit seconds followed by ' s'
5 h 36 min
